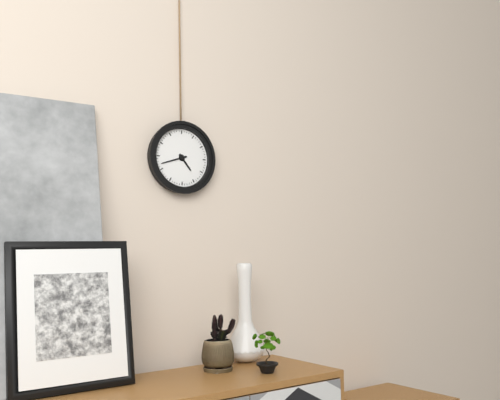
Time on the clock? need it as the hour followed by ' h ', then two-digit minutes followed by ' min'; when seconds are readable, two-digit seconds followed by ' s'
4 h 42 min
